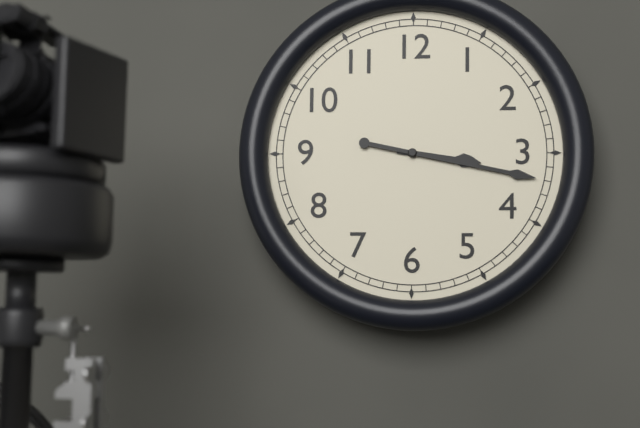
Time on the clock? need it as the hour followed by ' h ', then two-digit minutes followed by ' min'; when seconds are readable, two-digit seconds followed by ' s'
3 h 17 min
